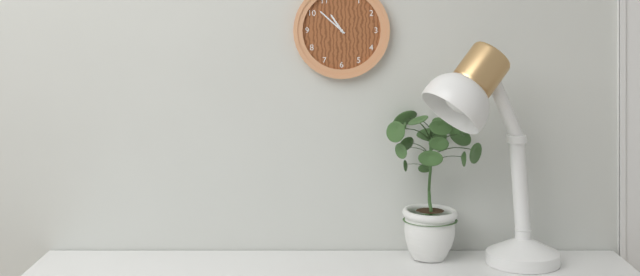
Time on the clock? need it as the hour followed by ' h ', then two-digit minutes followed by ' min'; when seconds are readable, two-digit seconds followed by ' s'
10 h 52 min
